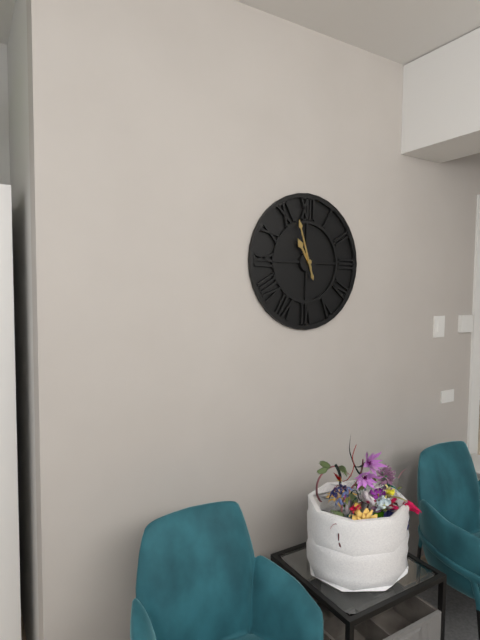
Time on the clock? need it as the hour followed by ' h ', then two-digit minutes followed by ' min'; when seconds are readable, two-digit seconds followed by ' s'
10 h 57 min
